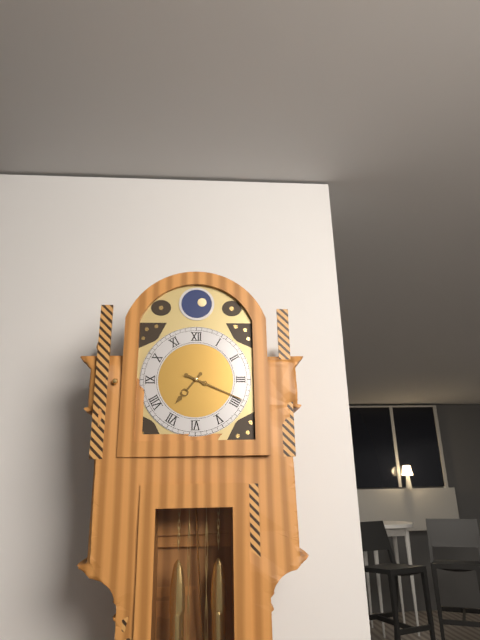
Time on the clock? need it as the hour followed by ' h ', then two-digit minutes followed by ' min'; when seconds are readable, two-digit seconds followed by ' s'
7 h 19 min
